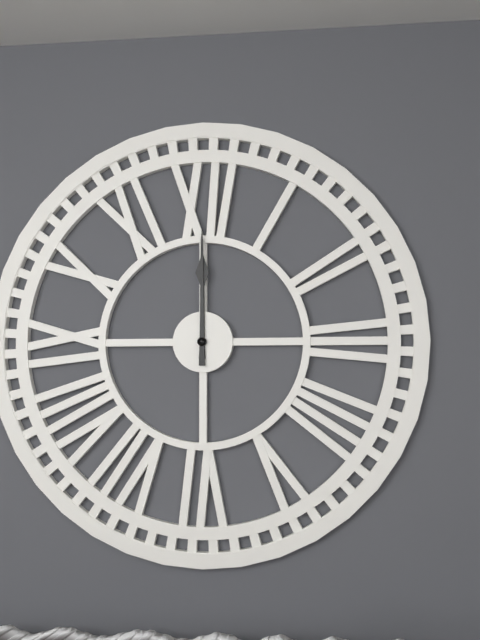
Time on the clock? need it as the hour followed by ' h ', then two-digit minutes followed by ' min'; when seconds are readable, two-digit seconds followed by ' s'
12 h 00 min
